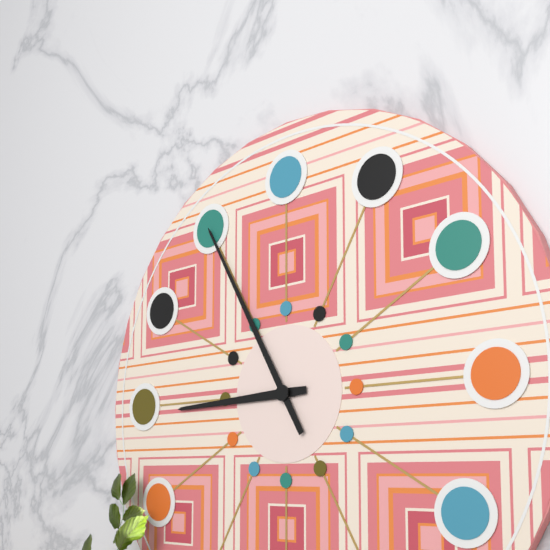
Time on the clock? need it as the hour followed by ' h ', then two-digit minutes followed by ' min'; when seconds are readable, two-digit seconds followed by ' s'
8 h 55 min
